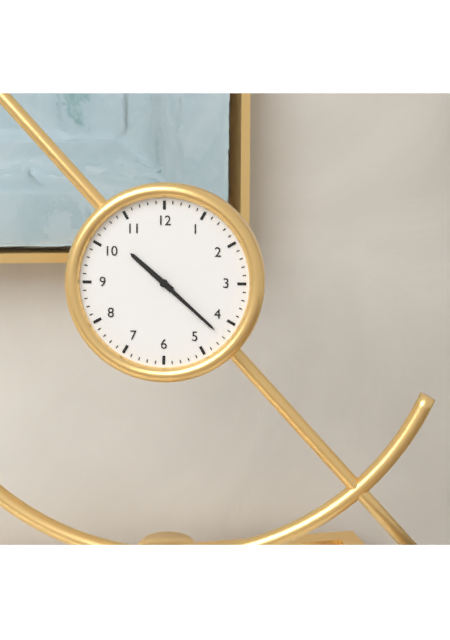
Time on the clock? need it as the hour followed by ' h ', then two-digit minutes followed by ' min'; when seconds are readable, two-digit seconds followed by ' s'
10 h 22 min
